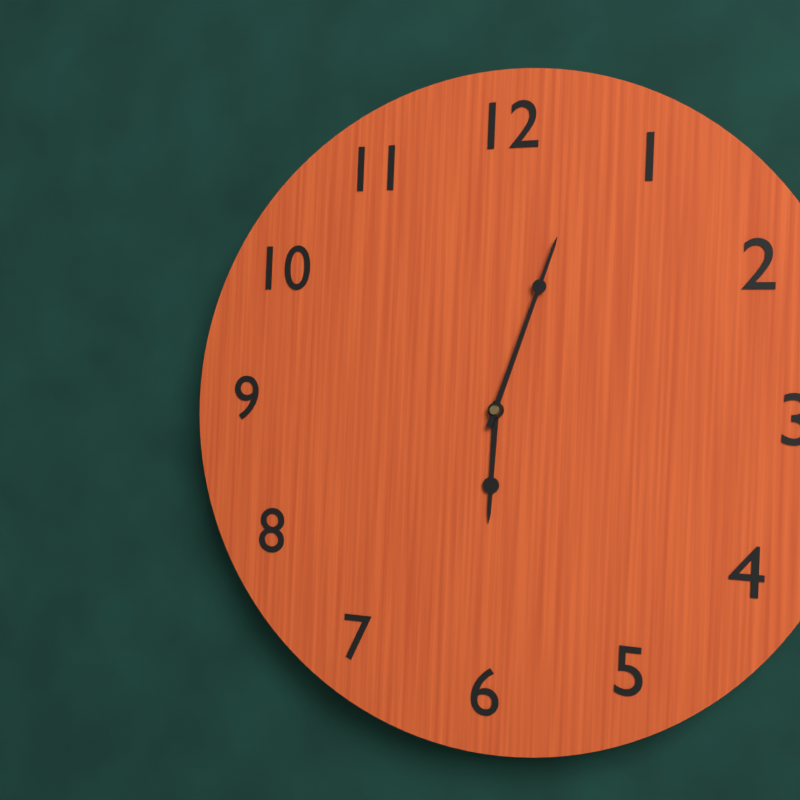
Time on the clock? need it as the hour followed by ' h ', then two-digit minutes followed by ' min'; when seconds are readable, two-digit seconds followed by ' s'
6 h 03 min
